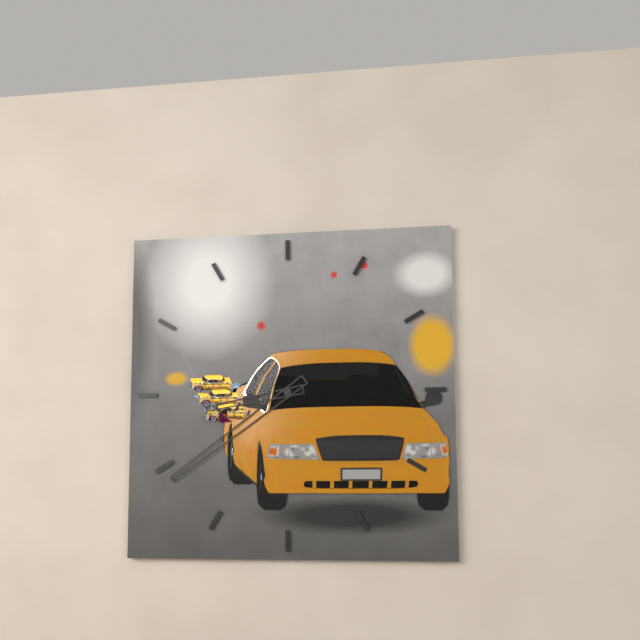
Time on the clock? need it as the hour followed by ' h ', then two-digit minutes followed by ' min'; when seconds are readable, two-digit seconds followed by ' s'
8 h 39 min
